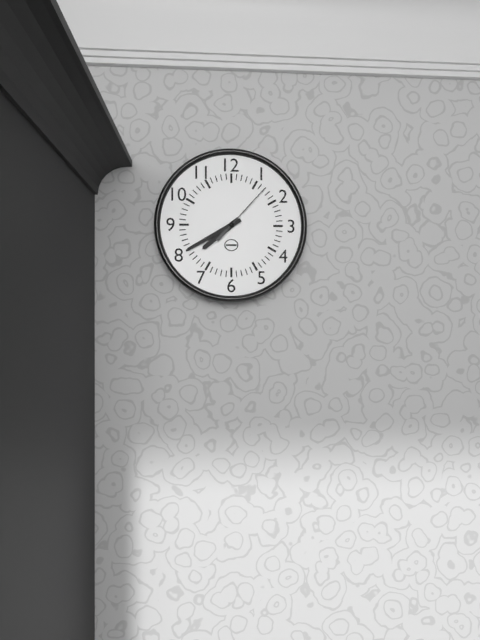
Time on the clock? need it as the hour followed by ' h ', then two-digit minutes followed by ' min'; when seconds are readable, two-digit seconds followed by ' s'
7 h 40 min 07 s
